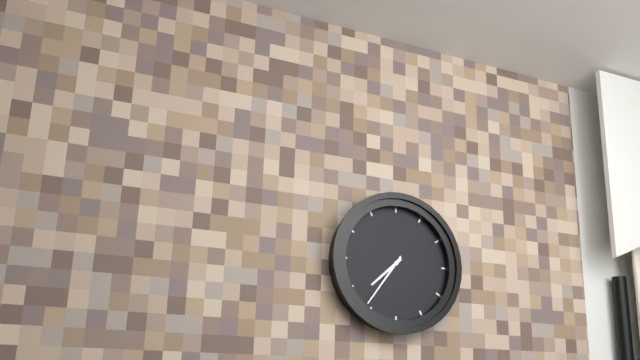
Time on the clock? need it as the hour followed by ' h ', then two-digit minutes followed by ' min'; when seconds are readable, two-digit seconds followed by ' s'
7 h 36 min
